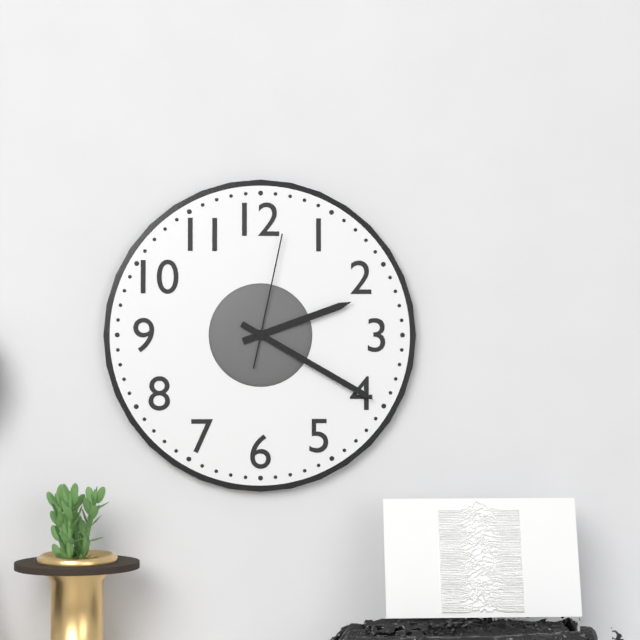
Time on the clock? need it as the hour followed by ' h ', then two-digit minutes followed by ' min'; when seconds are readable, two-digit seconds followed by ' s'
2 h 20 min 02 s
